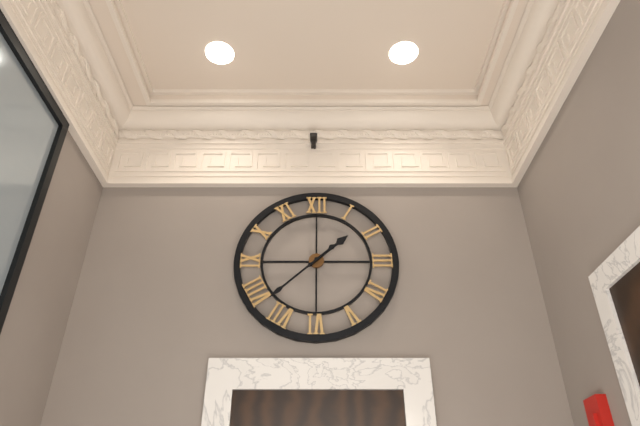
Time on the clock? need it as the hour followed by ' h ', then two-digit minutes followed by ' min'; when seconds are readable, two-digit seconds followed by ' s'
1 h 38 min
